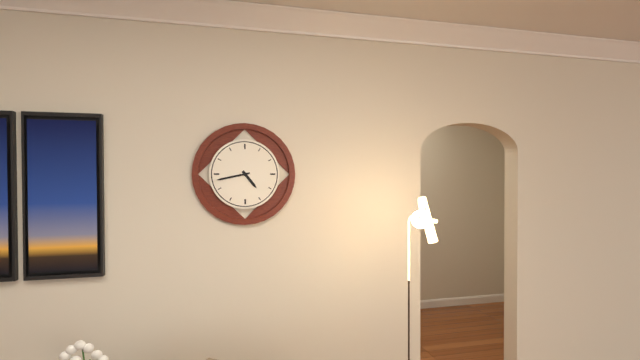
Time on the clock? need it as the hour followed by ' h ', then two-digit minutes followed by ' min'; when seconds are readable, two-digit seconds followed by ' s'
4 h 43 min
